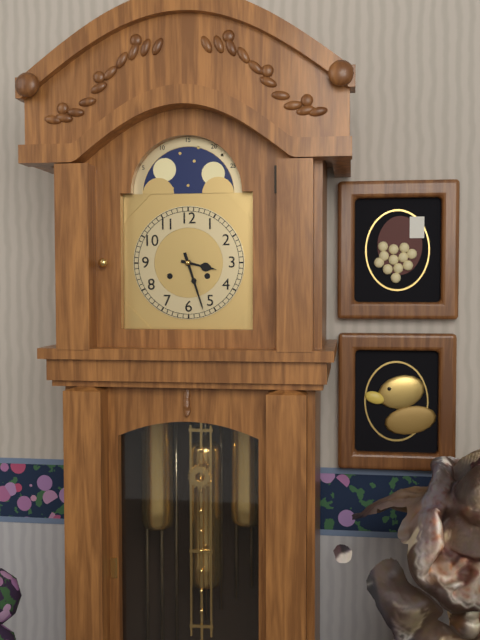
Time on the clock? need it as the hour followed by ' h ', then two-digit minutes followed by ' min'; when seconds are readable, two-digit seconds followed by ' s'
3 h 27 min
